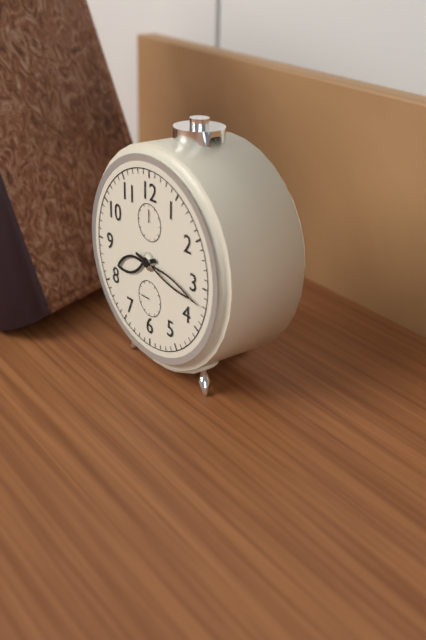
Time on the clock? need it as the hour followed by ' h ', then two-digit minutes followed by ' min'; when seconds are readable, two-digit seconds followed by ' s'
8 h 17 min
